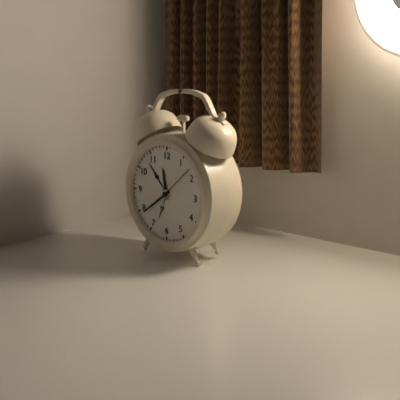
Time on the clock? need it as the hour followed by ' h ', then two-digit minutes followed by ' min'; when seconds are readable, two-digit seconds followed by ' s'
11 h 39 min
